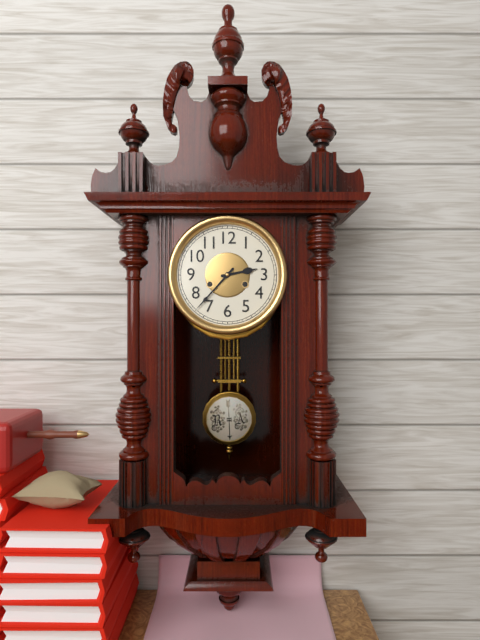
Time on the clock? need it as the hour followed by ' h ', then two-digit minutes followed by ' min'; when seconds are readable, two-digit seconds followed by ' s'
2 h 37 min
